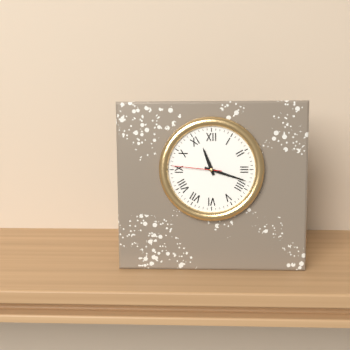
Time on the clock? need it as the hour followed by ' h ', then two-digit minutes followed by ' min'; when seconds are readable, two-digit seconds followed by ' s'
11 h 18 min
